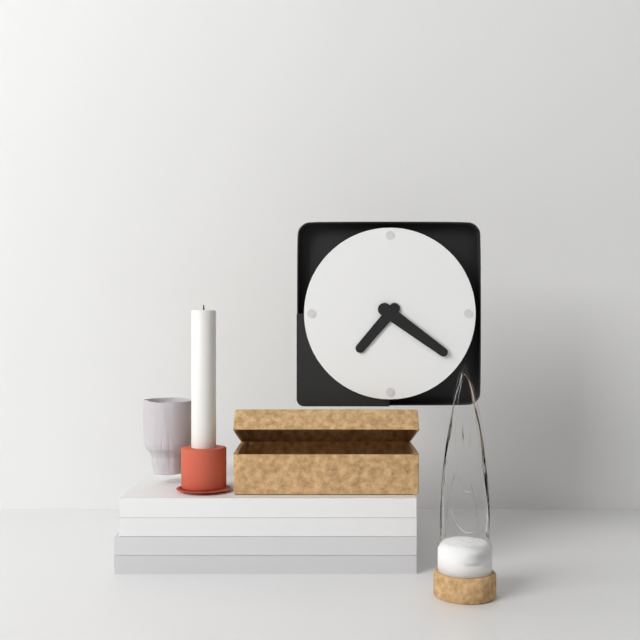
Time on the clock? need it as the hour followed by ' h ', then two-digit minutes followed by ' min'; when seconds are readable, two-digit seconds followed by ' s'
7 h 21 min
